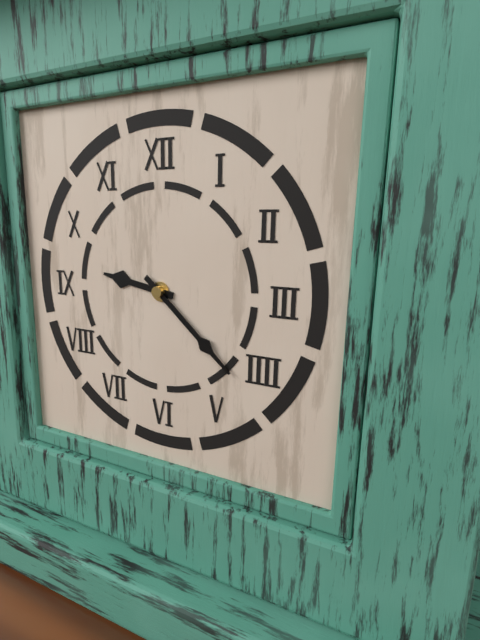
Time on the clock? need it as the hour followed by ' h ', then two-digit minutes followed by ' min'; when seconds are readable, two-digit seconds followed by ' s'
9 h 22 min
